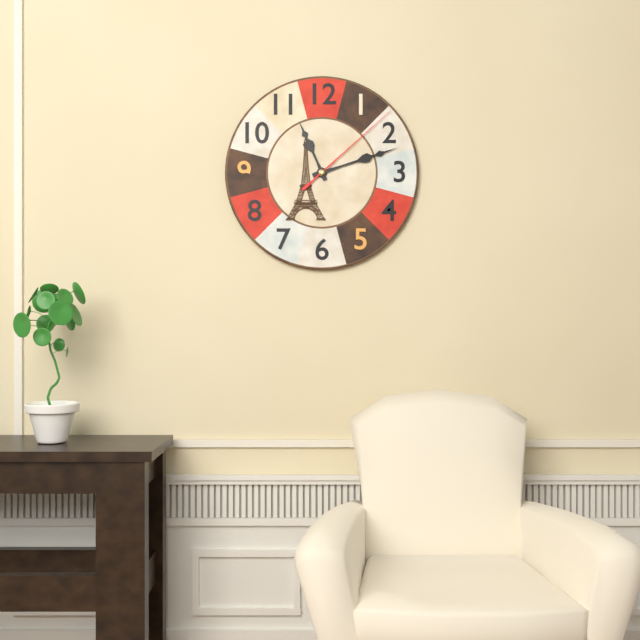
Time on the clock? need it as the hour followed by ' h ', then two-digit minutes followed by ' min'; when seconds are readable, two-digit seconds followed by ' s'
11 h 12 min 08 s
